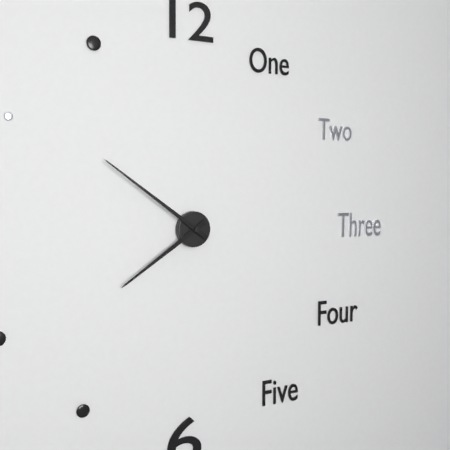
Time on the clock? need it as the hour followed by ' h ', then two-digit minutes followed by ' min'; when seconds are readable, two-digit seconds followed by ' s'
7 h 51 min
